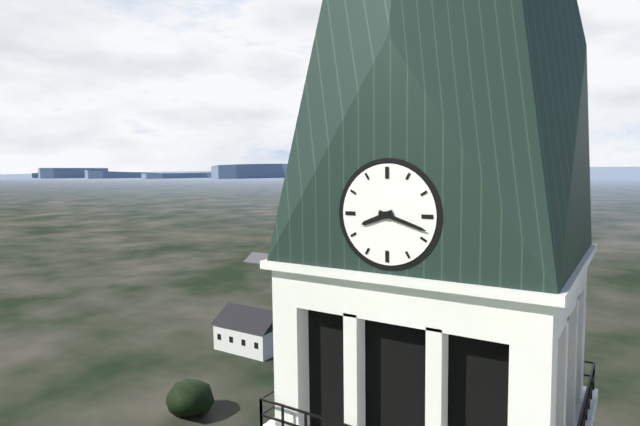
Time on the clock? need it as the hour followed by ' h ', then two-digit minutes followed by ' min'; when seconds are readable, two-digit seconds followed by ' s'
8 h 18 min
